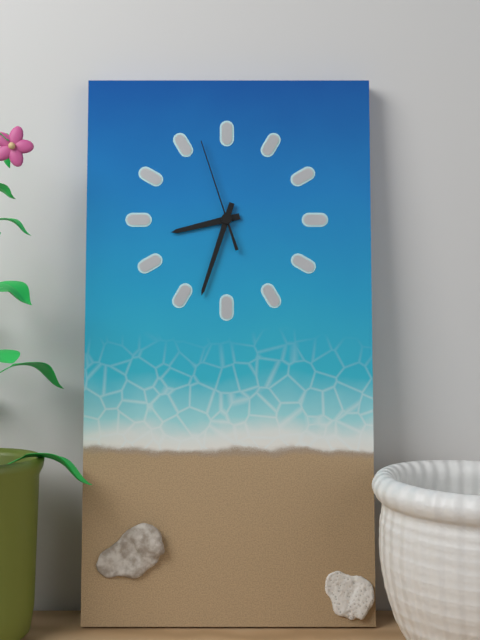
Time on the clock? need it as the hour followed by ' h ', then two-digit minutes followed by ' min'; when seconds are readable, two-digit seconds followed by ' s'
8 h 33 min 57 s
